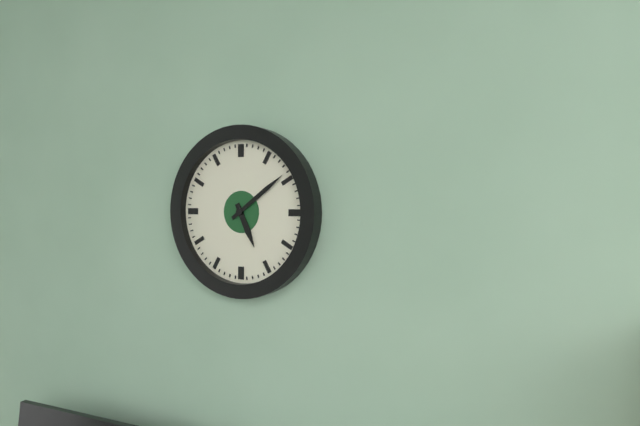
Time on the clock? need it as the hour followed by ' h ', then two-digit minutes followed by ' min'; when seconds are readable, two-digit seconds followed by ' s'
5 h 09 min
